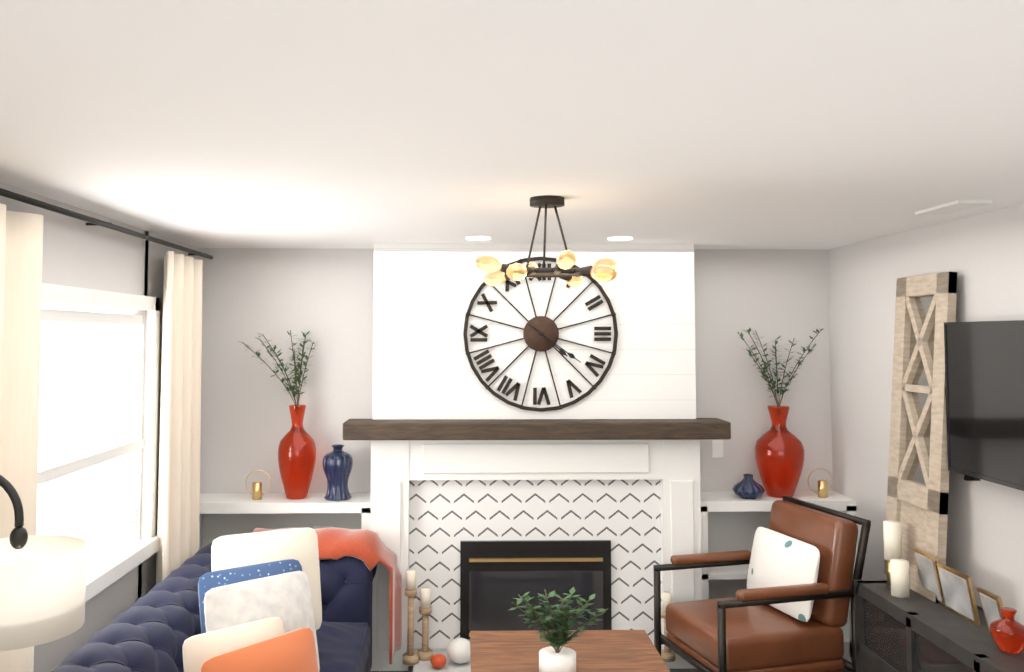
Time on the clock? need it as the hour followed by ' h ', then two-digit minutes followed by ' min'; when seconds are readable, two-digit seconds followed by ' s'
4 h 21 min
